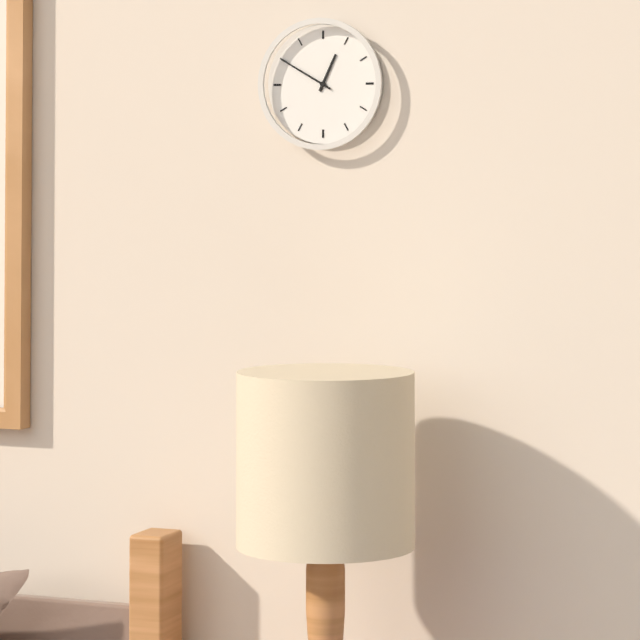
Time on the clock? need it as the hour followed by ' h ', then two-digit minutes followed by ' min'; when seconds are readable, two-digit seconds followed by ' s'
12 h 50 min
